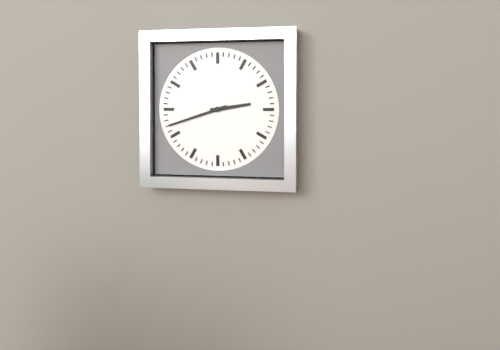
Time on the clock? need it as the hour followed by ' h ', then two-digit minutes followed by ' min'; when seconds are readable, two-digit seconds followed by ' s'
2 h 42 min
